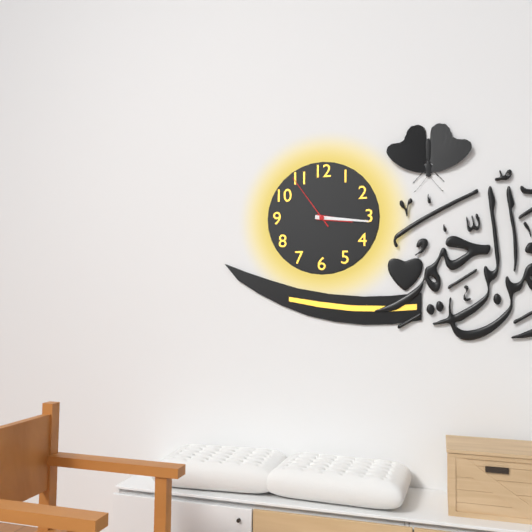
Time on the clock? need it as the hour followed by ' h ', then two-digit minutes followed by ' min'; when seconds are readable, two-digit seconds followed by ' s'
3 h 16 min 54 s
